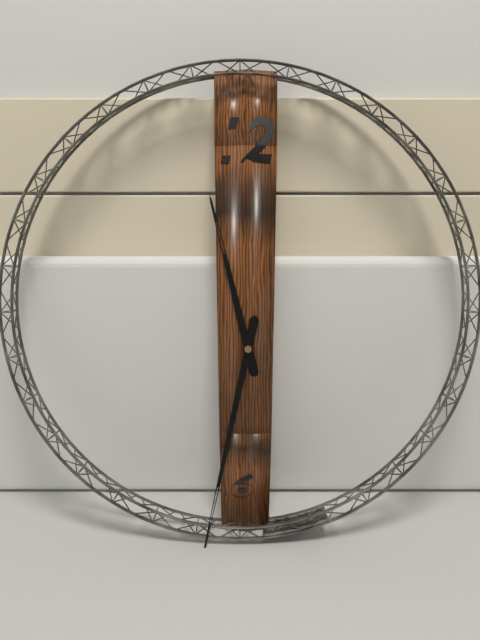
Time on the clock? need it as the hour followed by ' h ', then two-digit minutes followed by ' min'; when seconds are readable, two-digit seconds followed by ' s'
11 h 32 min
